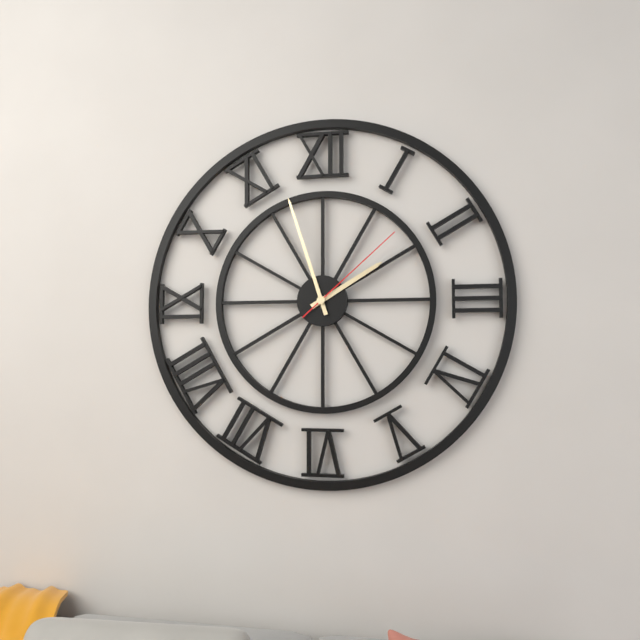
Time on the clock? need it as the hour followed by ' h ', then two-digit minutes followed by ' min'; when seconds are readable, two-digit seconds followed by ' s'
1 h 57 min 08 s
